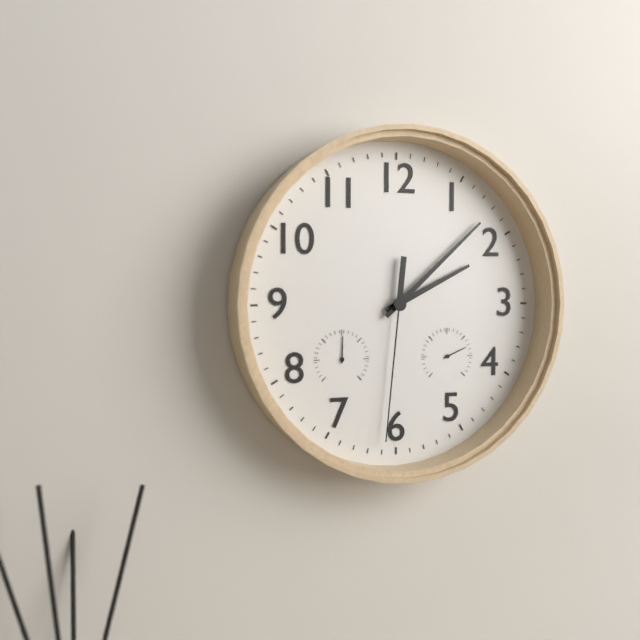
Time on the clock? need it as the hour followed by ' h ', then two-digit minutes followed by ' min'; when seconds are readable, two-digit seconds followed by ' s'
2 h 08 min 31 s
